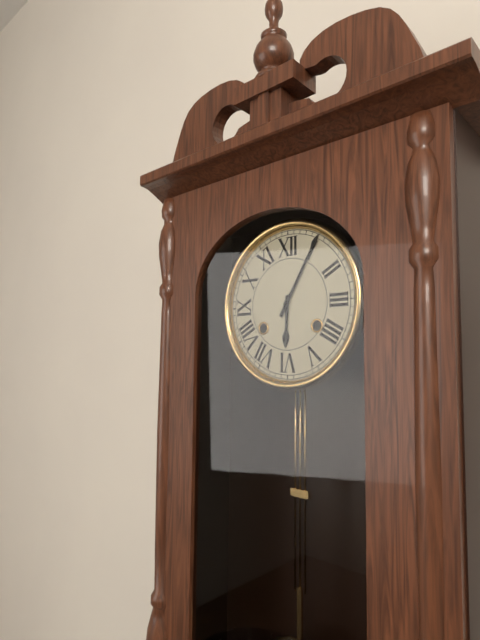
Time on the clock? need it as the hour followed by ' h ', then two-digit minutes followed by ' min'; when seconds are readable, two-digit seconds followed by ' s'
6 h 05 min
